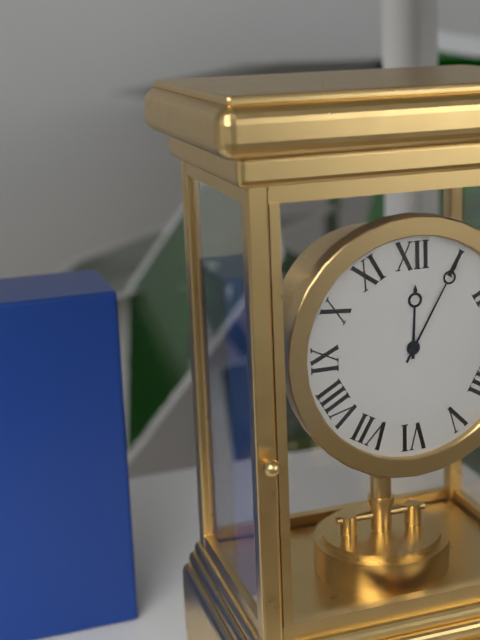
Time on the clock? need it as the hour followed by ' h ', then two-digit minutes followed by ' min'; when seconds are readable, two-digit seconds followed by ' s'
12 h 05 min
